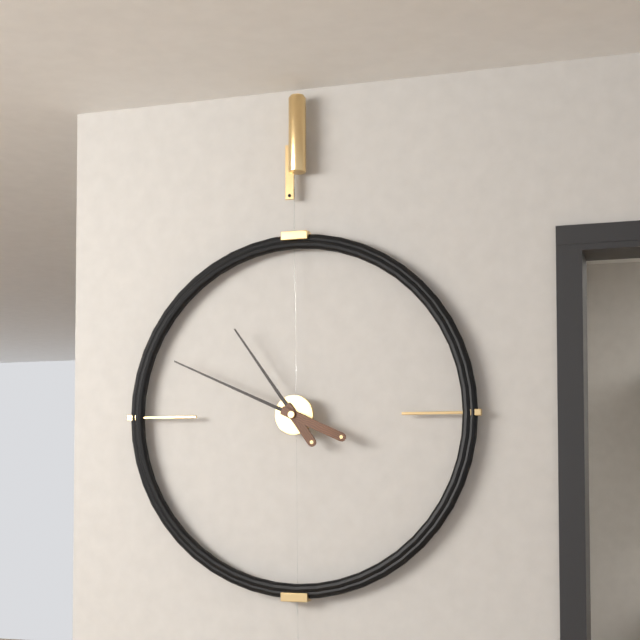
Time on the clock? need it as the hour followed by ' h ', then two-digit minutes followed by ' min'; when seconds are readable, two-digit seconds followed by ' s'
10 h 49 min
